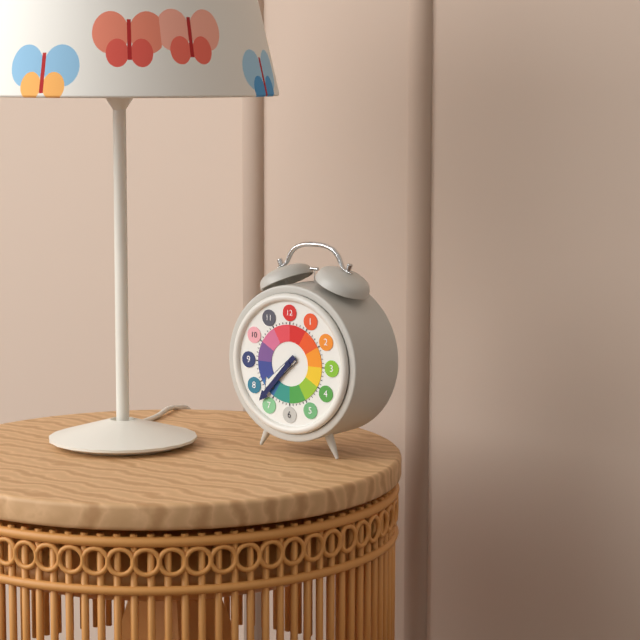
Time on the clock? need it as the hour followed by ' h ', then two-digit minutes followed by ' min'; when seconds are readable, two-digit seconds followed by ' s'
7 h 37 min
